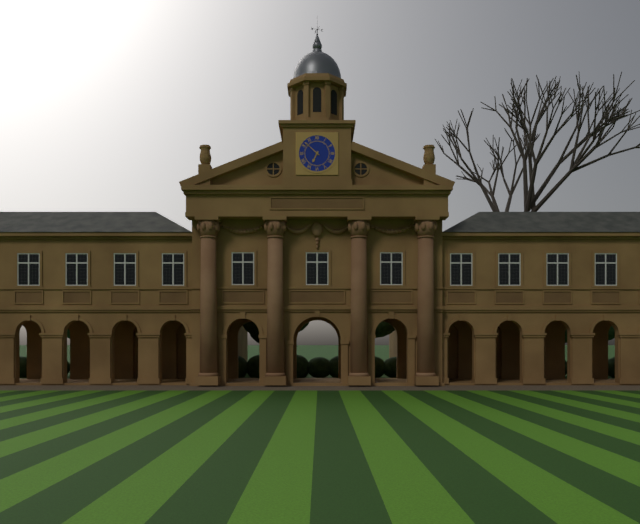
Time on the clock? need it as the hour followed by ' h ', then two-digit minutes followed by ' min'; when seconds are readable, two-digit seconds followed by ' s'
6 h 52 min
